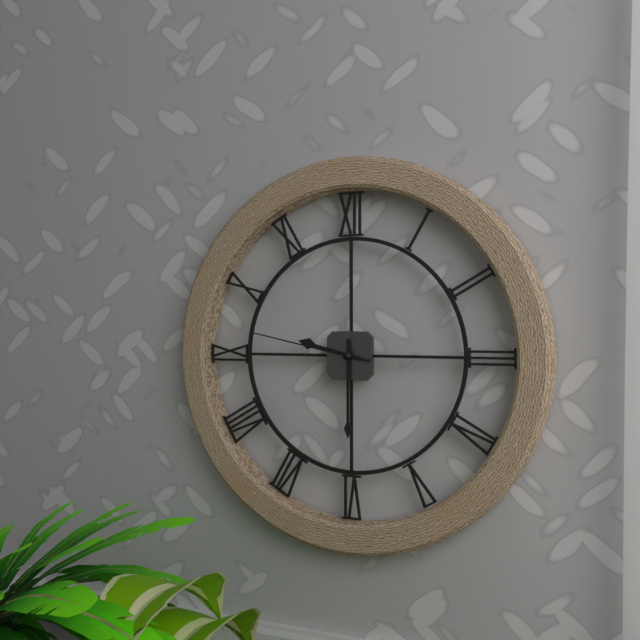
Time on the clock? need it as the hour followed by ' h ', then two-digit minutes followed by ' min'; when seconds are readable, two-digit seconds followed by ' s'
9 h 30 min 47 s
